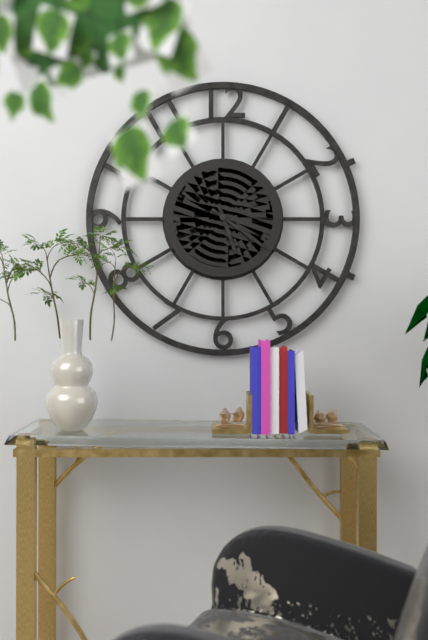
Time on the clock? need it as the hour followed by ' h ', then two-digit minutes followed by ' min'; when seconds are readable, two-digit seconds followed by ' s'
5 h 21 min
